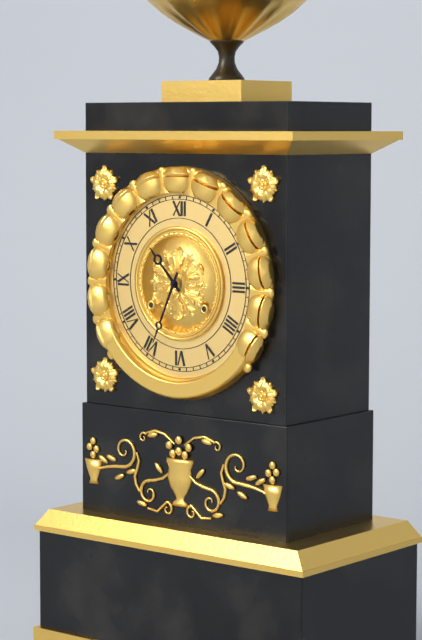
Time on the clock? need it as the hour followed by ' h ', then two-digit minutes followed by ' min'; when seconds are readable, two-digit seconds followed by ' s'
10 h 34 min
